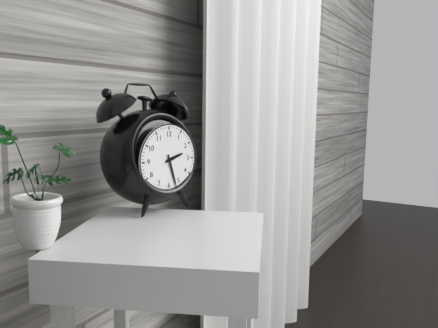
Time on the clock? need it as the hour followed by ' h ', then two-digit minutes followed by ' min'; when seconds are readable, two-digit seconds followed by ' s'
2 h 27 min
